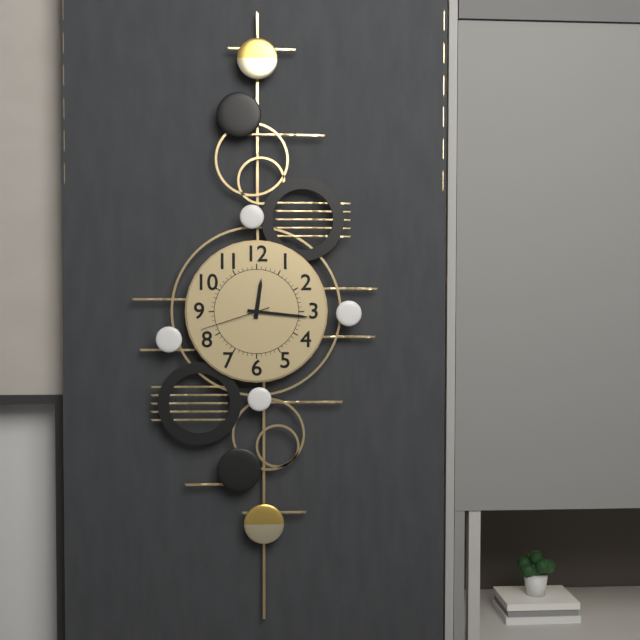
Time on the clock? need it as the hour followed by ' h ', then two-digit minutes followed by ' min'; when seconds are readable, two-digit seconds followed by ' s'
12 h 16 min 42 s
